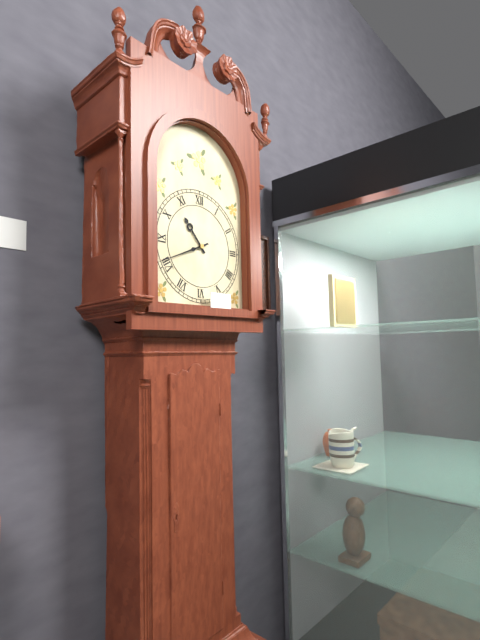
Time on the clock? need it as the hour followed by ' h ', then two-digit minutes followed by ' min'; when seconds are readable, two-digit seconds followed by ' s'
10 h 41 min
